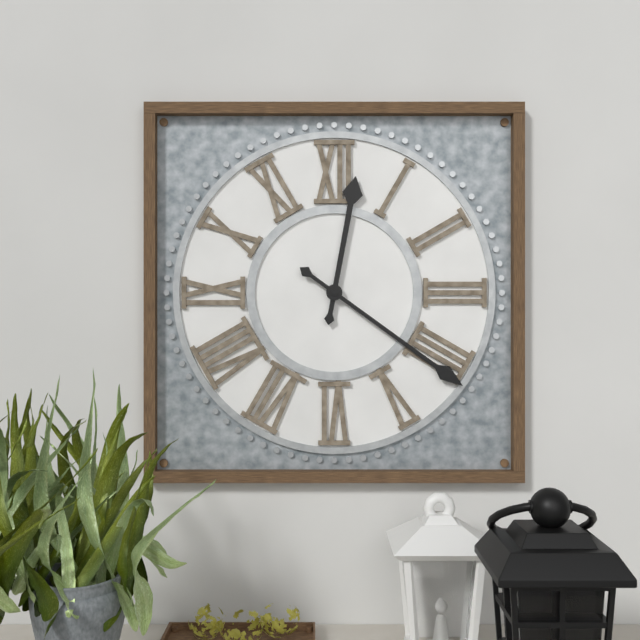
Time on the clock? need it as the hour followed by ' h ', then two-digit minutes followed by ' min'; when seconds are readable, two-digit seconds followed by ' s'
12 h 21 min
